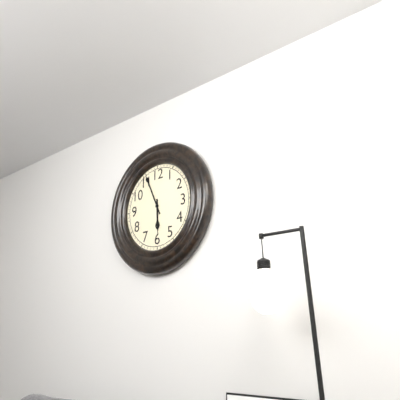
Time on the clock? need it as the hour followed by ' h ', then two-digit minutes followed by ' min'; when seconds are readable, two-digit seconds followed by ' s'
5 h 56 min
